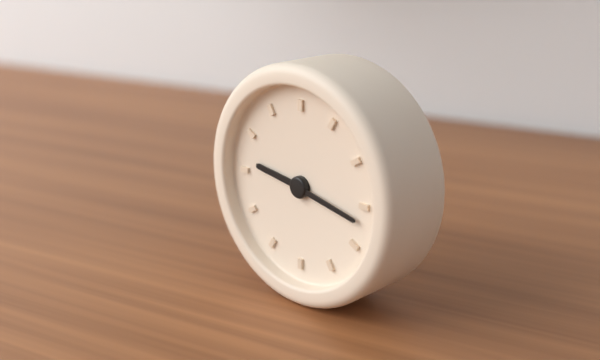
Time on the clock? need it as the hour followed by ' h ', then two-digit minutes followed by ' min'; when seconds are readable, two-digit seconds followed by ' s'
9 h 17 min
